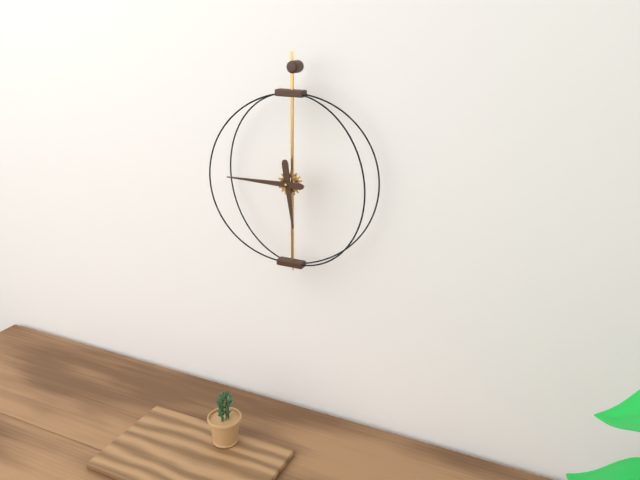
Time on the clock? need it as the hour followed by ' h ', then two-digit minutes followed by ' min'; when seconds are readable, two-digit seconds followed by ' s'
5 h 45 min
